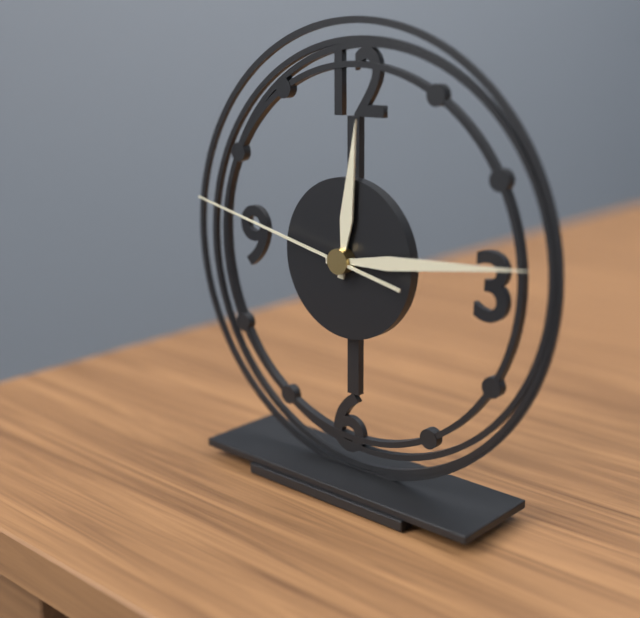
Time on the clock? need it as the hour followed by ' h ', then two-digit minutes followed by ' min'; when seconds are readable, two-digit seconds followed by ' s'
12 h 14 min 47 s
